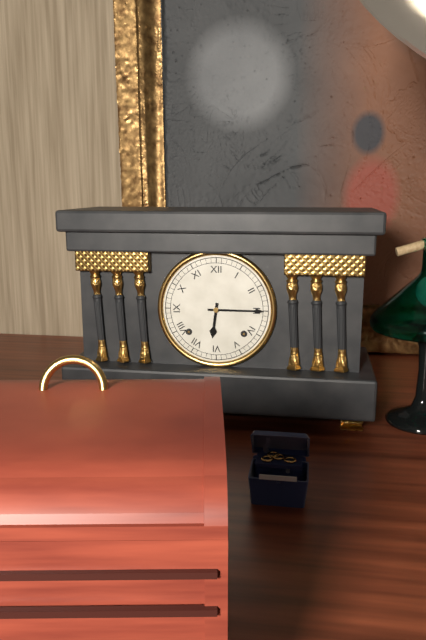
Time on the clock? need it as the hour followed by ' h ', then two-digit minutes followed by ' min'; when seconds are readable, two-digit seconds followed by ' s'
6 h 15 min
